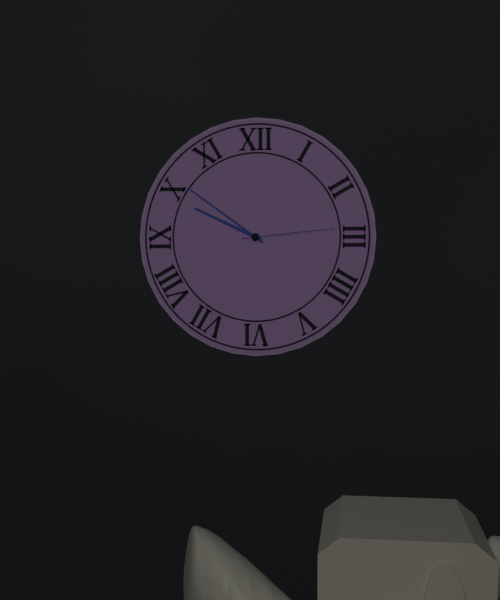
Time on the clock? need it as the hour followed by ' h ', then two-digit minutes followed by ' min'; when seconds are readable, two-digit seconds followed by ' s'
9 h 51 min 14 s
